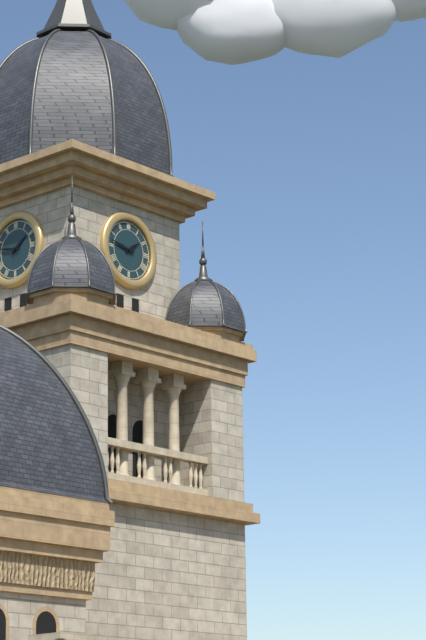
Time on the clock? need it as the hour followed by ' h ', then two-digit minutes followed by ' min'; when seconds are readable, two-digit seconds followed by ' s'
1 h 47 min
